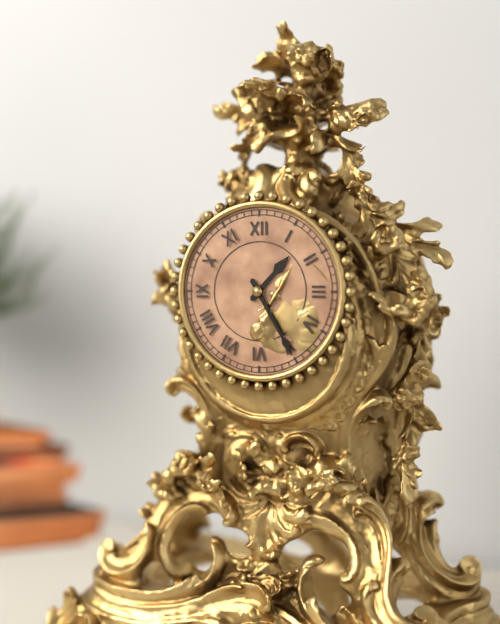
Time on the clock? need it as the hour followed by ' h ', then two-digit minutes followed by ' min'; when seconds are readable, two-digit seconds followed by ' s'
1 h 25 min
